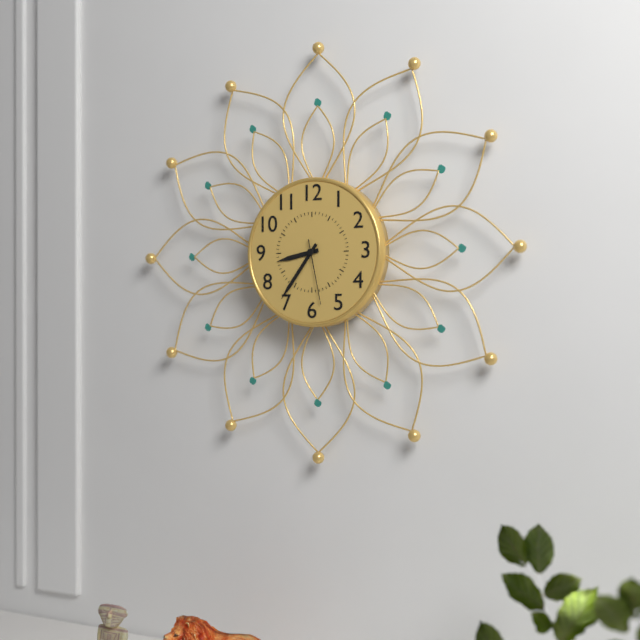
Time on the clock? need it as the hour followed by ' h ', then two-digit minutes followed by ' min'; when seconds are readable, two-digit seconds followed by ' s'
8 h 36 min 28 s
